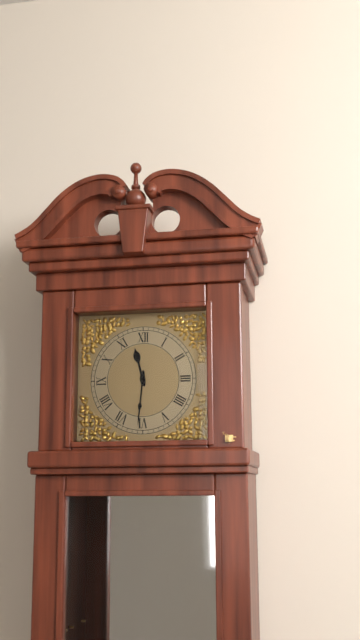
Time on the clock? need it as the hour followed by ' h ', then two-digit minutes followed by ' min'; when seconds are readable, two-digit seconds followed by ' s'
11 h 31 min
